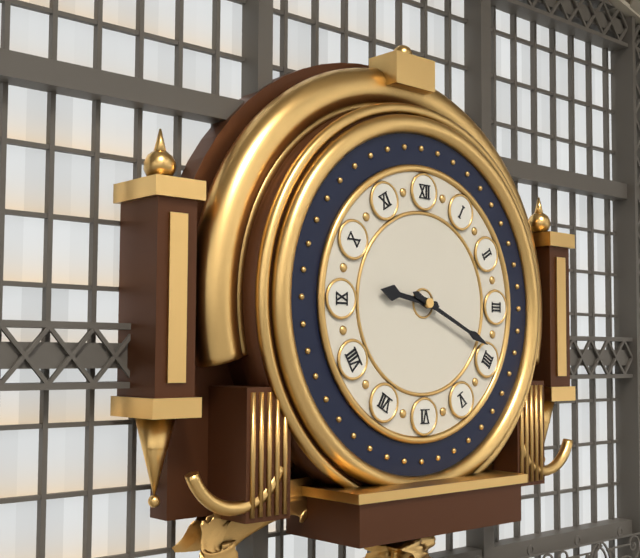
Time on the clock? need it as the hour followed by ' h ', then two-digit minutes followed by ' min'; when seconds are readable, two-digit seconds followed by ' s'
9 h 19 min
